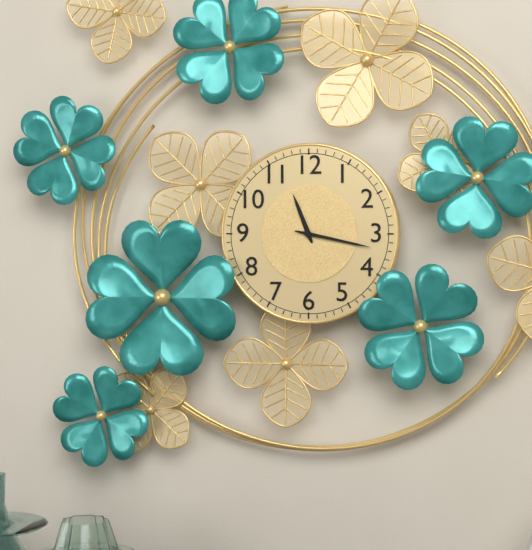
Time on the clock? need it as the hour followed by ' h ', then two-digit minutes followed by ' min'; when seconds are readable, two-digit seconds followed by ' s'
11 h 17 min
